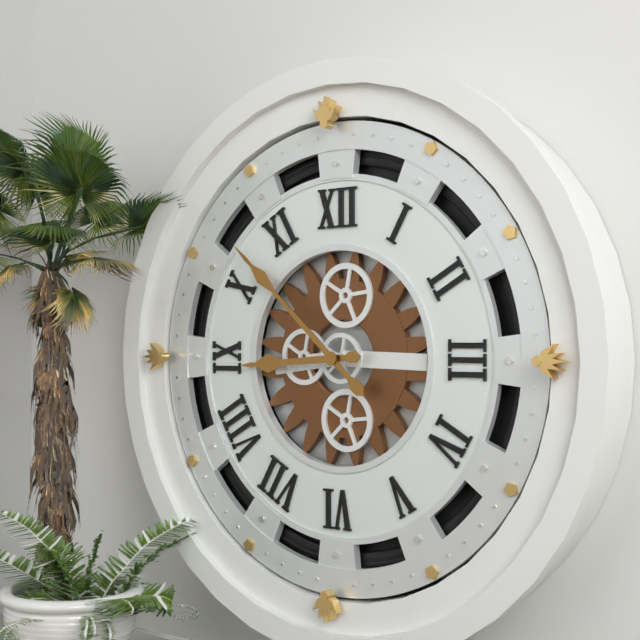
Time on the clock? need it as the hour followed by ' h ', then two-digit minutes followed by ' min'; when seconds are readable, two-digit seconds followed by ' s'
8 h 52 min
